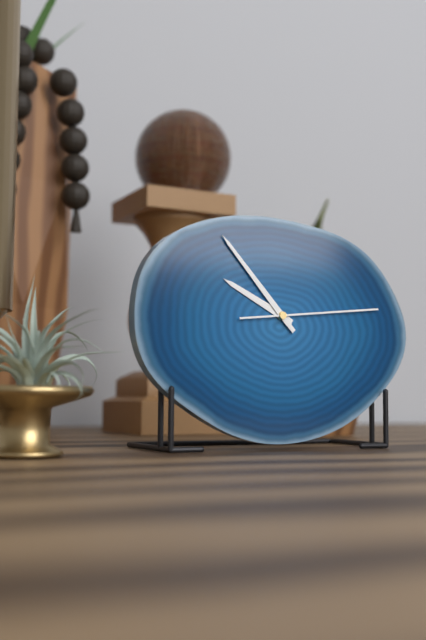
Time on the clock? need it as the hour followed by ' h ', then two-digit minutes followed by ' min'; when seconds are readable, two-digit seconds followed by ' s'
9 h 53 min 14 s
